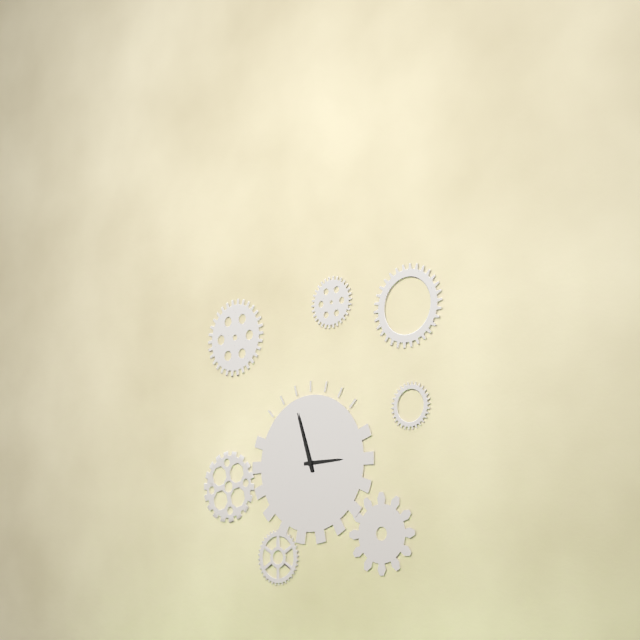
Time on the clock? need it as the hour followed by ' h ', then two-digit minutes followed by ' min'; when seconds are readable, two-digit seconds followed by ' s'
2 h 57 min
